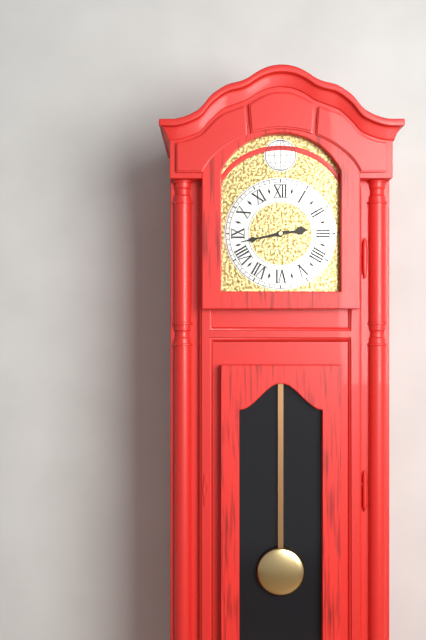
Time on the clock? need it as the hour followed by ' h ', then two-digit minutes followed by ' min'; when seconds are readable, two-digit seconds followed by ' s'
2 h 43 min
